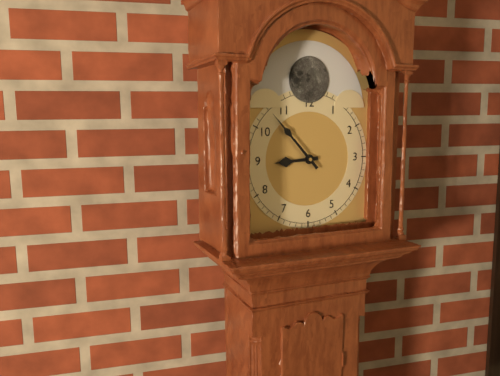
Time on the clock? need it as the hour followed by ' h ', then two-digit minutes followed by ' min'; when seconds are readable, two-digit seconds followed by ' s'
8 h 53 min
